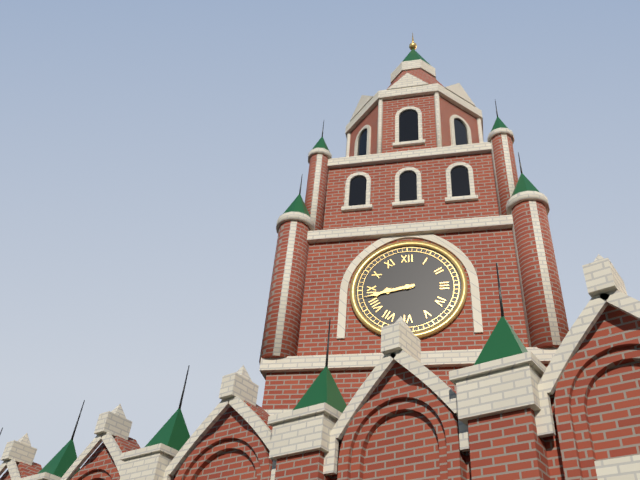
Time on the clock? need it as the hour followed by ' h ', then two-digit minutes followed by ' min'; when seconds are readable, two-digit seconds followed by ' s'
8 h 43 min
